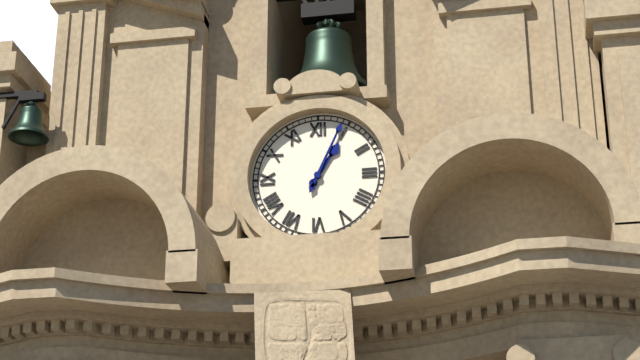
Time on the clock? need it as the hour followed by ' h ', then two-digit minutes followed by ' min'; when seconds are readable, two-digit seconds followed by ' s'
1 h 04 min
